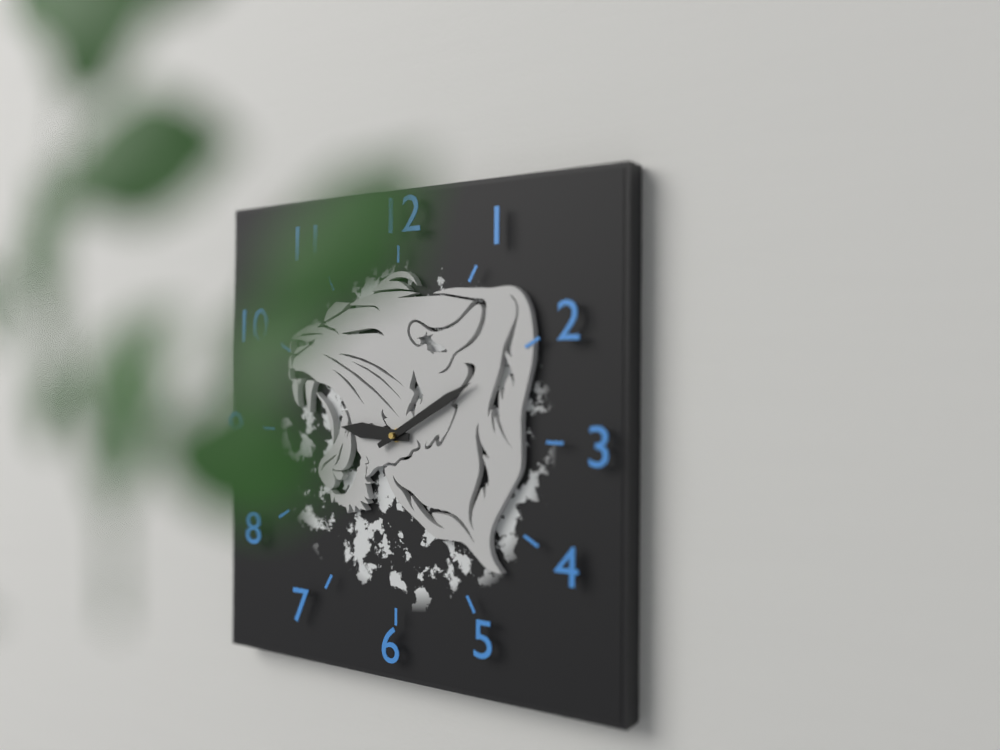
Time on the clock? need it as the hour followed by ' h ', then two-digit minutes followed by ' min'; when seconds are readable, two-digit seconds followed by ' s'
9 h 10 min
